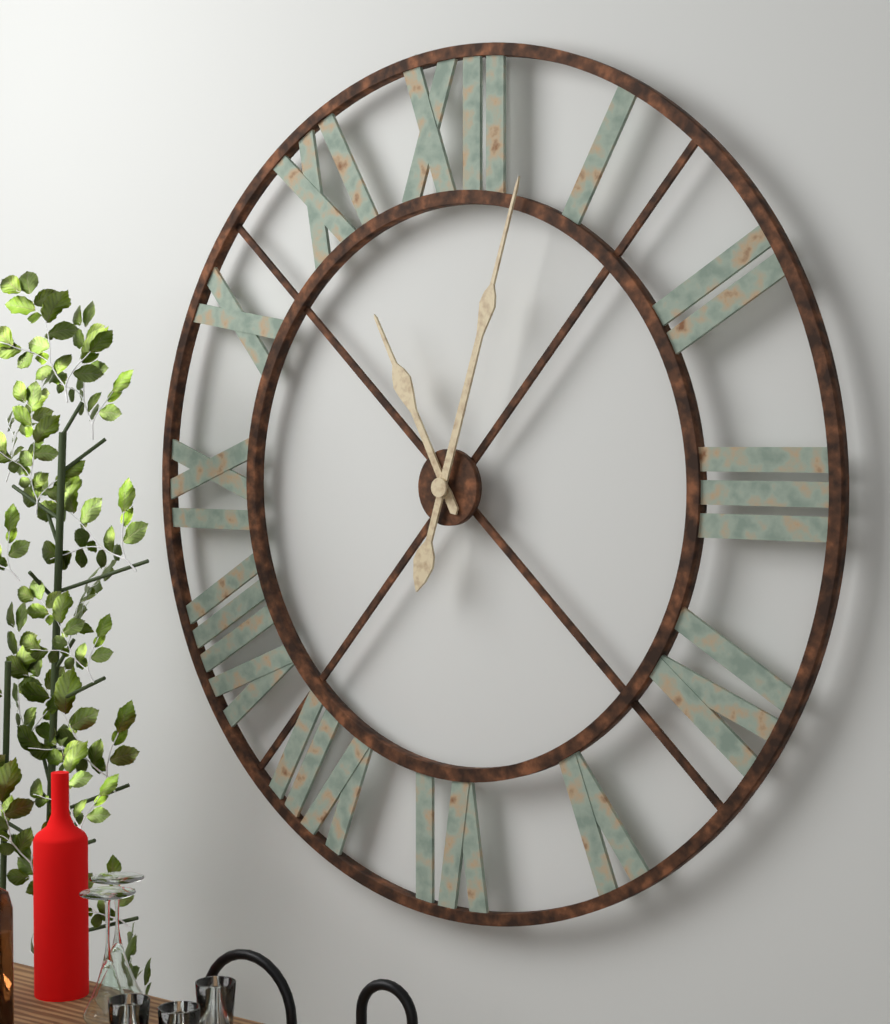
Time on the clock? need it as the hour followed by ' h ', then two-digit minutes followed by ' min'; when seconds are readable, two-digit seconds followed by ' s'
11 h 03 min
